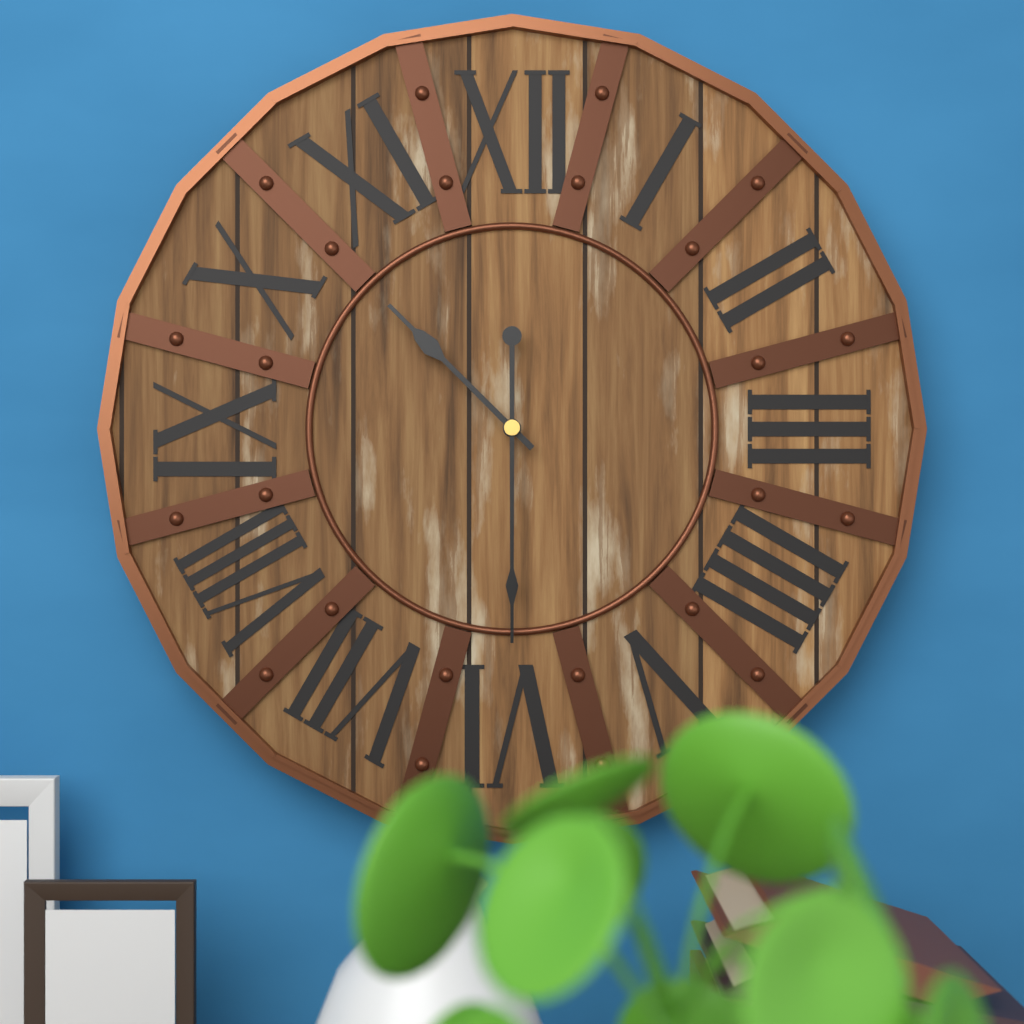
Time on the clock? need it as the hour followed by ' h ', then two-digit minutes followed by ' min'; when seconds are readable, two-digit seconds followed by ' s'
10 h 30 min
